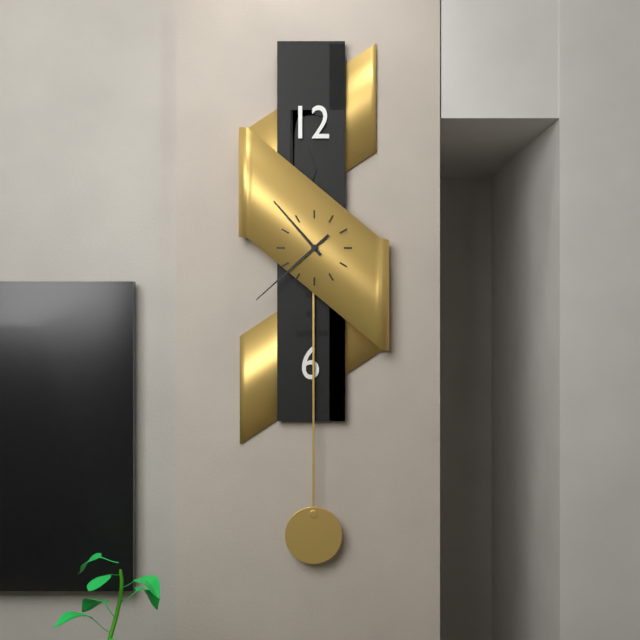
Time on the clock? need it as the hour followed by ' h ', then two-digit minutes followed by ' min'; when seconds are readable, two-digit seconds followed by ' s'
10 h 38 min
